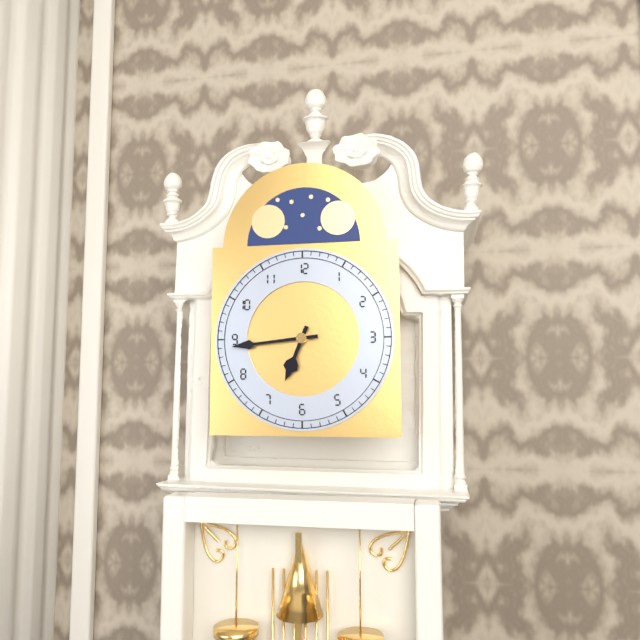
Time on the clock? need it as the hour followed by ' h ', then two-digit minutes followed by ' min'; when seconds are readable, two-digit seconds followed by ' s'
6 h 44 min
